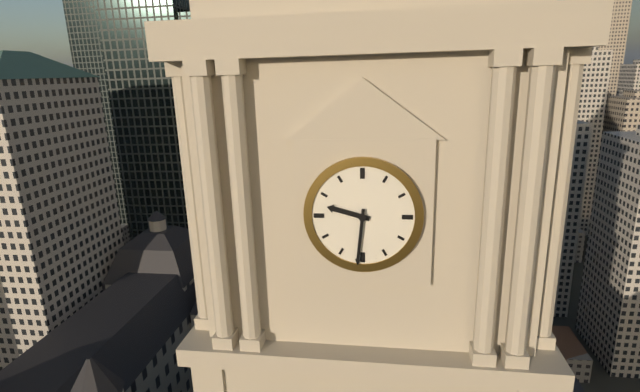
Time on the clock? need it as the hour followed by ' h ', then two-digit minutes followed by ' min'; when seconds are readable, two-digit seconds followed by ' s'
9 h 31 min
